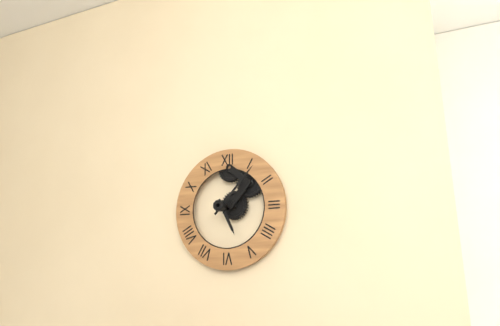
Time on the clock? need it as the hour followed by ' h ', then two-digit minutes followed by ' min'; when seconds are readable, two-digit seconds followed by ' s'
5 h 07 min
